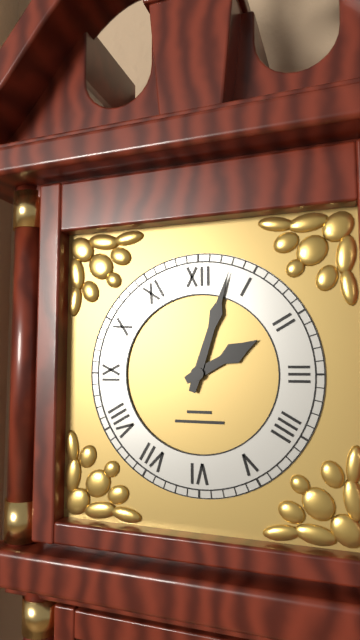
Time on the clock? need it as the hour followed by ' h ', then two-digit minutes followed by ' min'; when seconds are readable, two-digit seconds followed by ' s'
2 h 03 min
